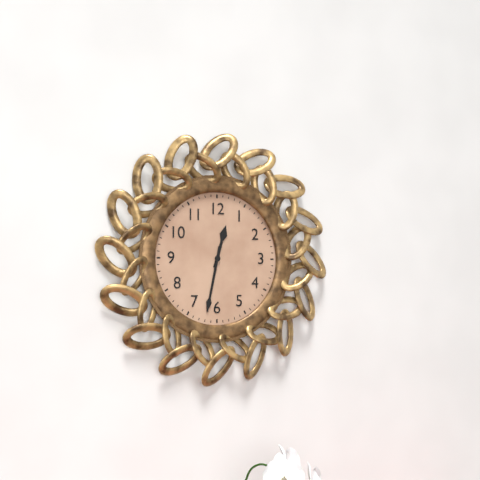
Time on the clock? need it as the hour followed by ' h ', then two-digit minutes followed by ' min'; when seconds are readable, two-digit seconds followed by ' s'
12 h 32 min
